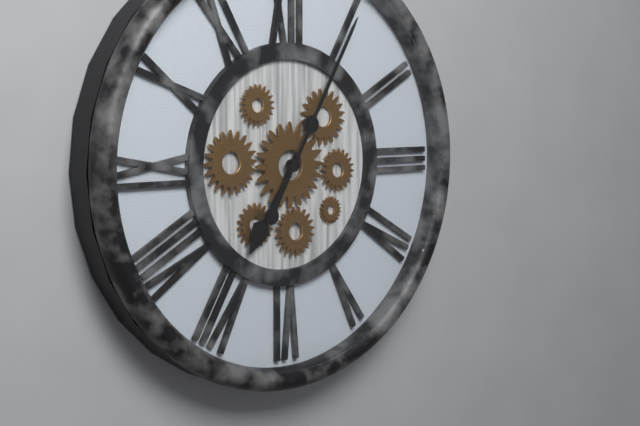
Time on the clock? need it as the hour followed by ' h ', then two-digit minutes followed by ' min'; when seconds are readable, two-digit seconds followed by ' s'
7 h 05 min
